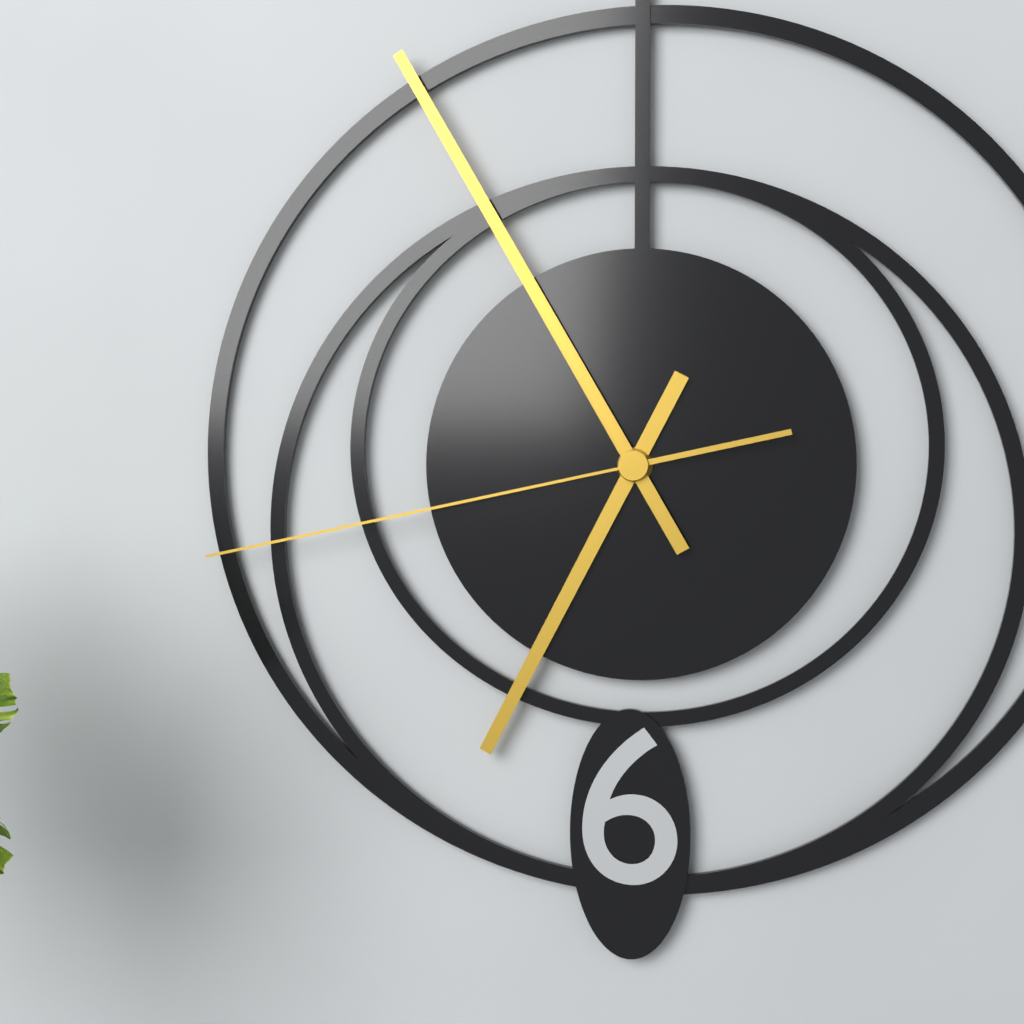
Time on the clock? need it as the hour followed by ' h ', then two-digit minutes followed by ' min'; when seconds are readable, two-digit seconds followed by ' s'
6 h 55 min 43 s
